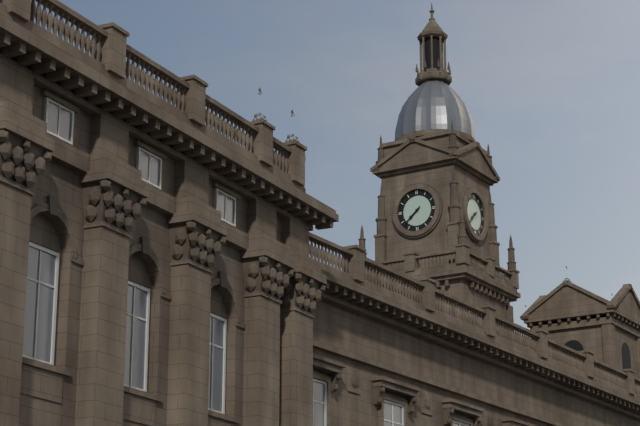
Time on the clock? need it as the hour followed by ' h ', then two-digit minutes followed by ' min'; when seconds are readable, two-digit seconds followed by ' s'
7 h 38 min
